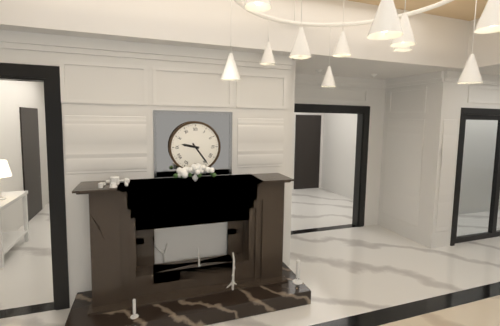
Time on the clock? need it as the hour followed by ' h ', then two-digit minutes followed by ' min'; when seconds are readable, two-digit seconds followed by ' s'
9 h 24 min
